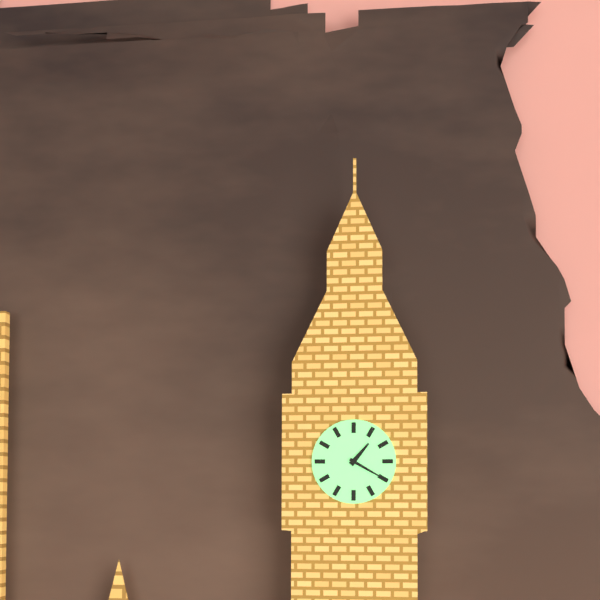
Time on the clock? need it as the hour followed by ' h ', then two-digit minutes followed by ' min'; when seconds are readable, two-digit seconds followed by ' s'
1 h 20 min
